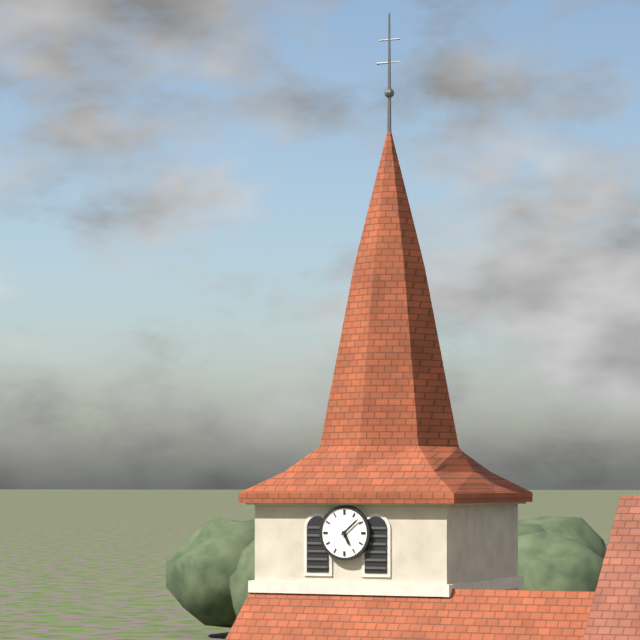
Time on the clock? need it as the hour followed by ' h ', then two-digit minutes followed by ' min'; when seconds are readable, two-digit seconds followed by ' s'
5 h 08 min
